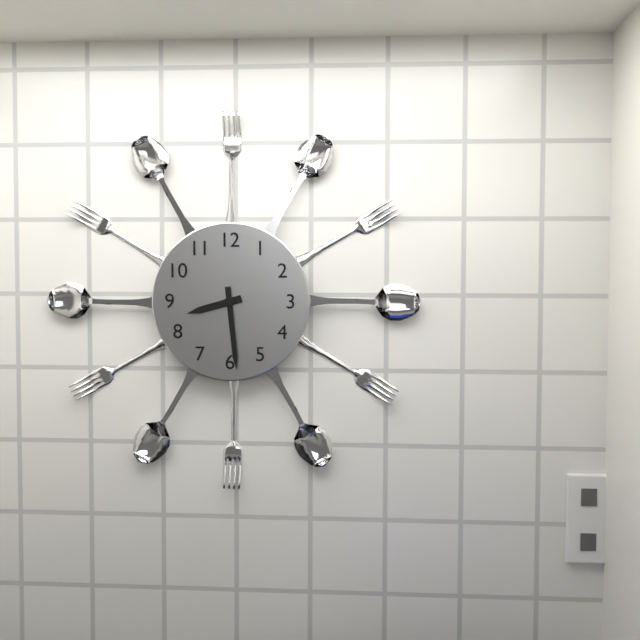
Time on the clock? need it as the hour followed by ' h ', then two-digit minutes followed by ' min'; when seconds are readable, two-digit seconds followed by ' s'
8 h 29 min
